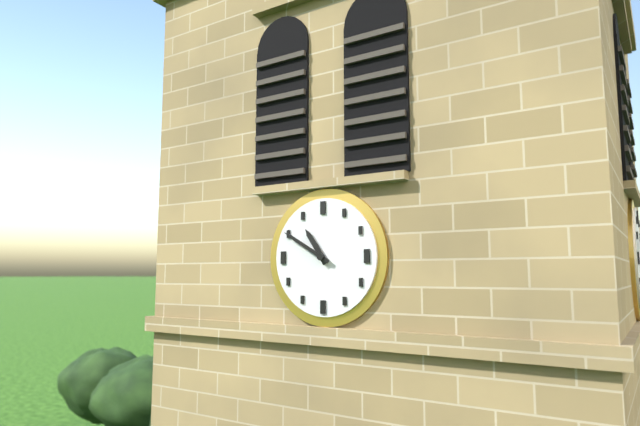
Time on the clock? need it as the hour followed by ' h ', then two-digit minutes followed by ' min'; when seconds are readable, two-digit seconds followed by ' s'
10 h 50 min
